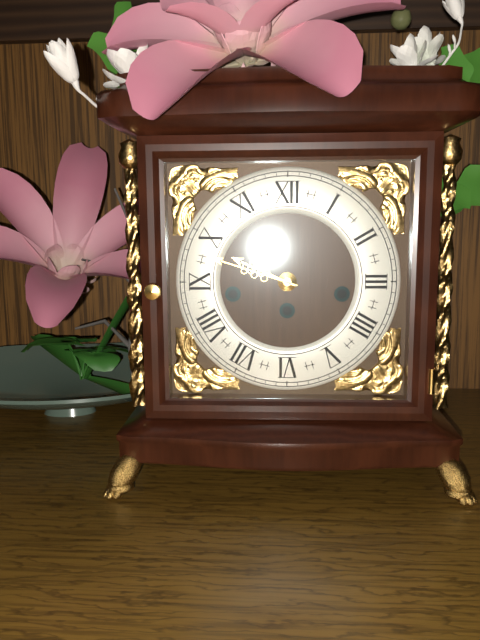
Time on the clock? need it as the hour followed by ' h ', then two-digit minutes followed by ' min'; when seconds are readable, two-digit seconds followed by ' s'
9 h 48 min
